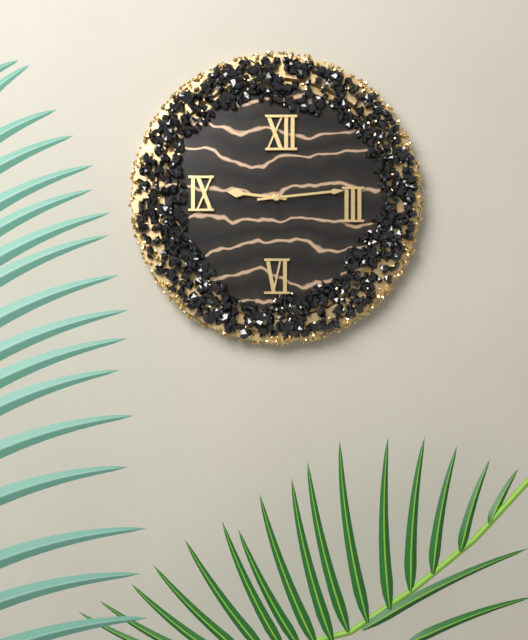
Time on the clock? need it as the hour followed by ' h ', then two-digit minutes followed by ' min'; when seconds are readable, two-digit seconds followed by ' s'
9 h 14 min
